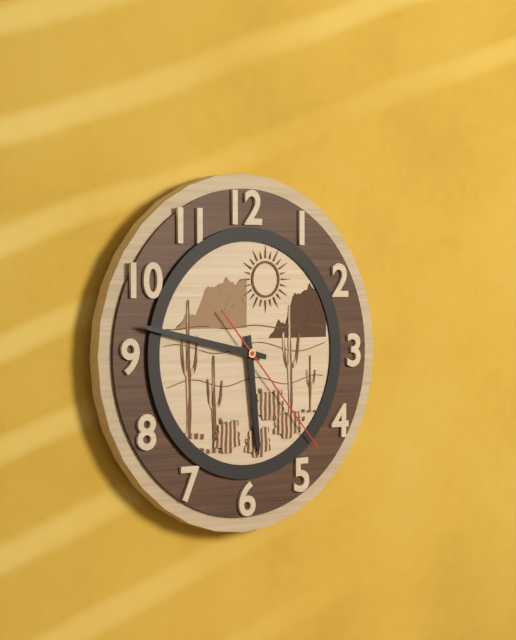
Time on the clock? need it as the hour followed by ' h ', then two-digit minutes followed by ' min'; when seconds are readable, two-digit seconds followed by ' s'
5 h 47 min 23 s
